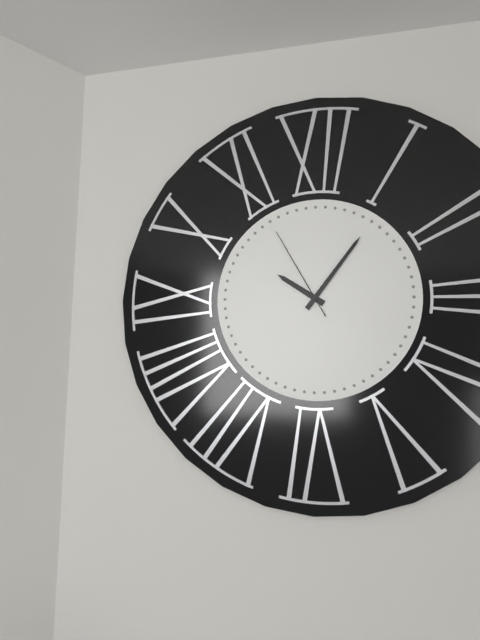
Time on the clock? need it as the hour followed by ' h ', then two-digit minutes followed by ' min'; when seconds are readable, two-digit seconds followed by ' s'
10 h 06 min 55 s
